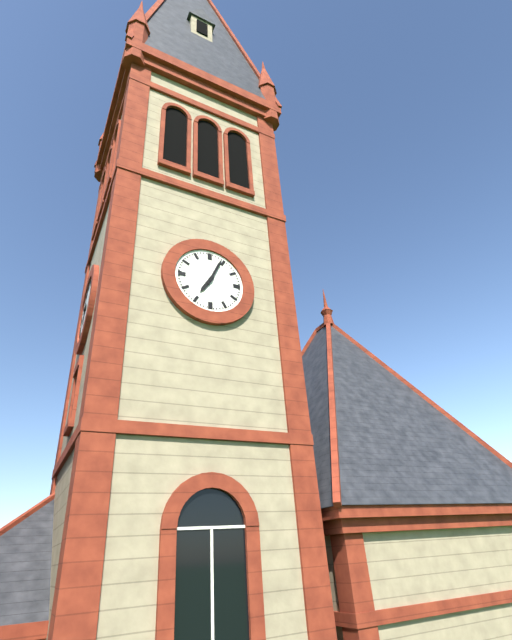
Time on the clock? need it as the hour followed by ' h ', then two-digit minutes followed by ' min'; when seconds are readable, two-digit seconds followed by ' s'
7 h 04 min
